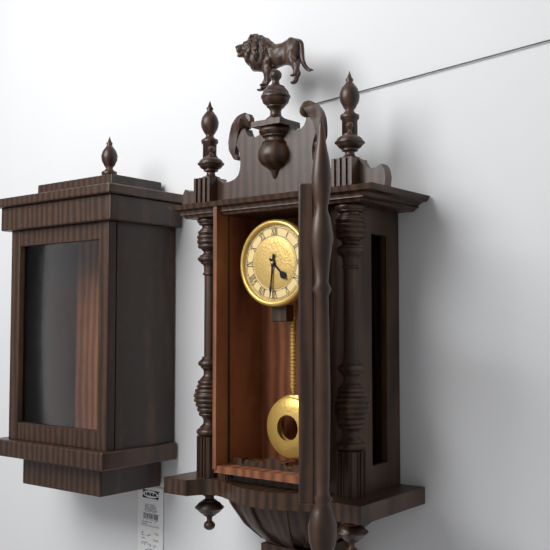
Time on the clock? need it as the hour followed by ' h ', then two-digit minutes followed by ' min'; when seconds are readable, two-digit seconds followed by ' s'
4 h 31 min
